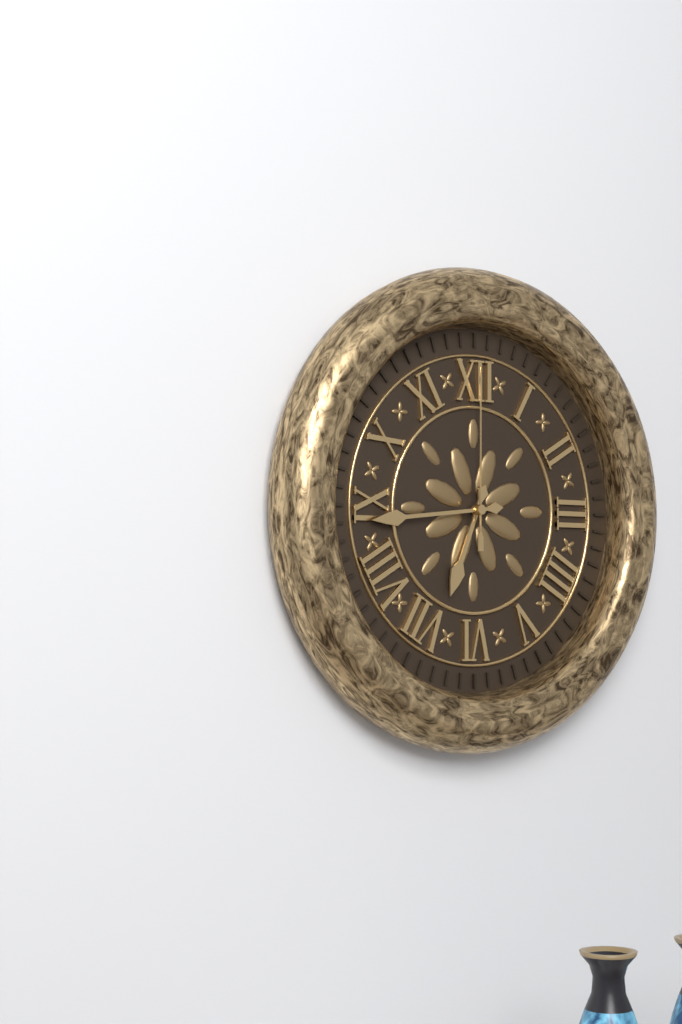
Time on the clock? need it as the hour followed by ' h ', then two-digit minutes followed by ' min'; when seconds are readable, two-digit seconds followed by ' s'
6 h 44 min 00 s
